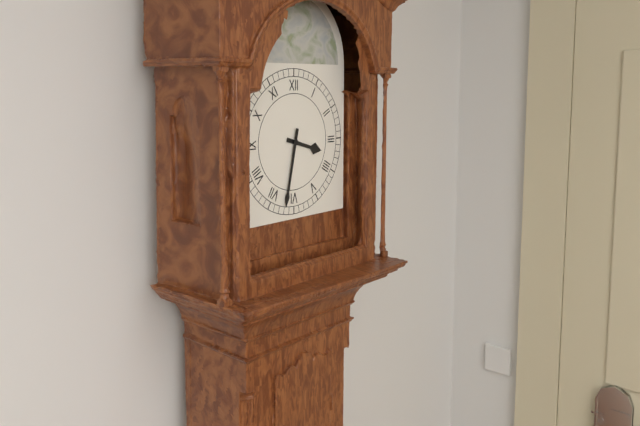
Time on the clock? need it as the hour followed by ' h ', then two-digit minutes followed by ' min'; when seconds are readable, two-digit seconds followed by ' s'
3 h 32 min
